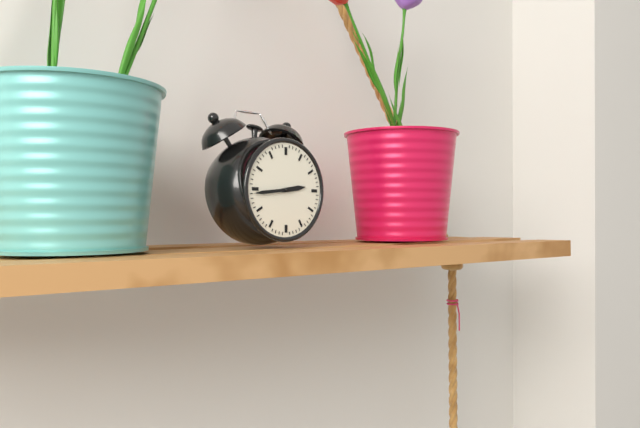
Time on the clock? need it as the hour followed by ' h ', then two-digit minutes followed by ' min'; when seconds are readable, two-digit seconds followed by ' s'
2 h 44 min
